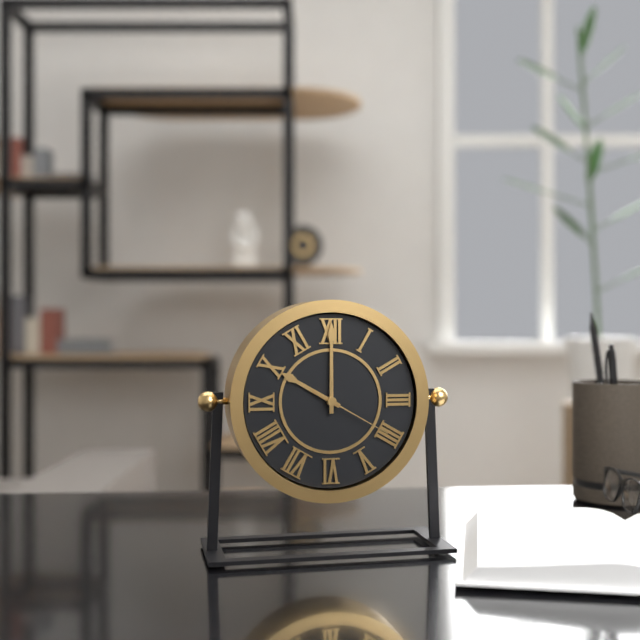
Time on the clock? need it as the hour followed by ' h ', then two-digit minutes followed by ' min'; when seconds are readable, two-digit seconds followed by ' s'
10 h 00 min 20 s
